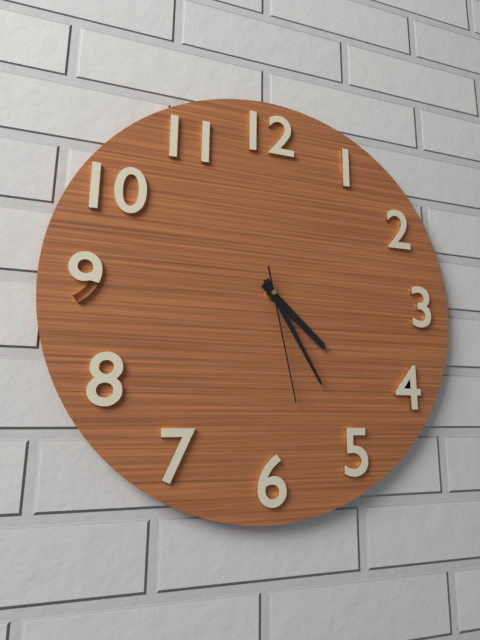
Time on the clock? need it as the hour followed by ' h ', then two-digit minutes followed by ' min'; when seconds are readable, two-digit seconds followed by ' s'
4 h 25 min 28 s
